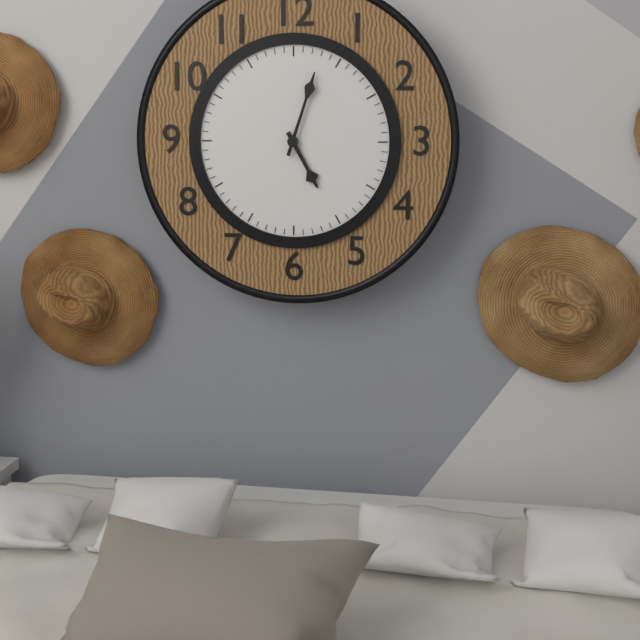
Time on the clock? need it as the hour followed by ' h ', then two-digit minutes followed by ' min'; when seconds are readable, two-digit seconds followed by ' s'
5 h 03 min
